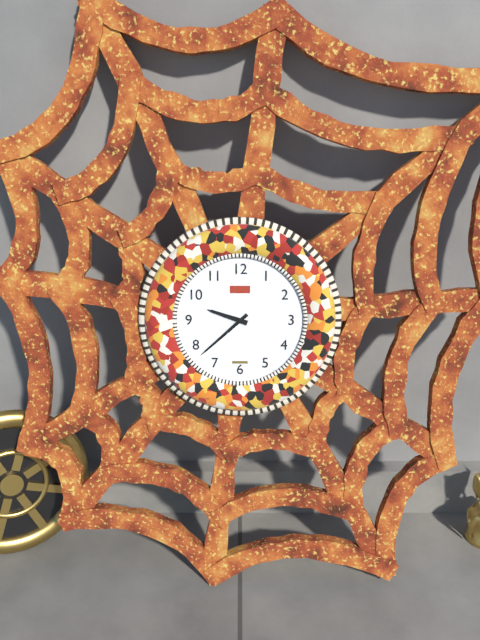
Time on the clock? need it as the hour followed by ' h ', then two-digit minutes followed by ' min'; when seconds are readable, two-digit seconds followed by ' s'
9 h 38 min
